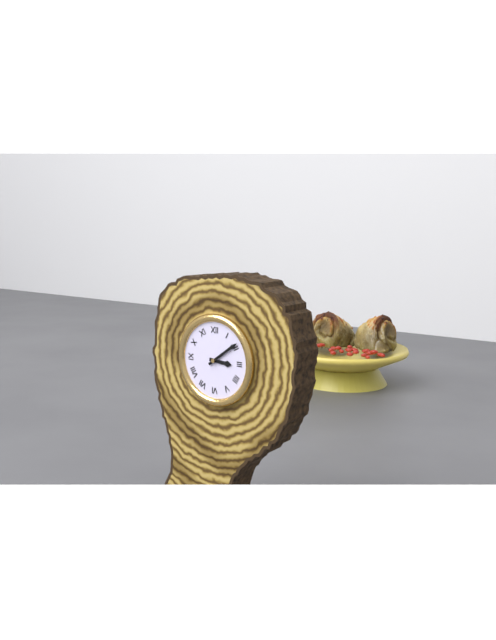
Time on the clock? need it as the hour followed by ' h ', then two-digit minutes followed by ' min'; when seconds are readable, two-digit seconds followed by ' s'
3 h 09 min
